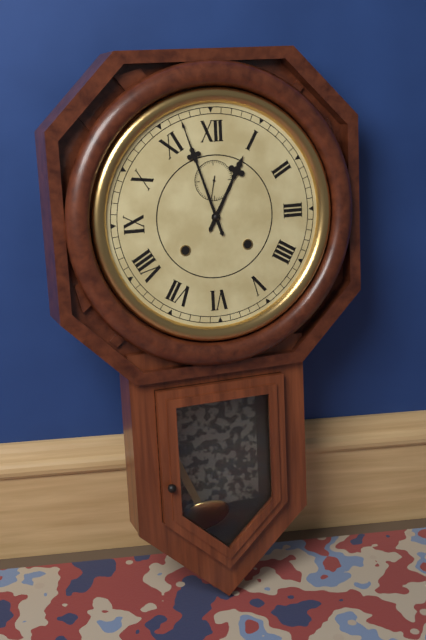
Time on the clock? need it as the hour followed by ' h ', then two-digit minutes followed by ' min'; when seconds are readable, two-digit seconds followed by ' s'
12 h 57 min
